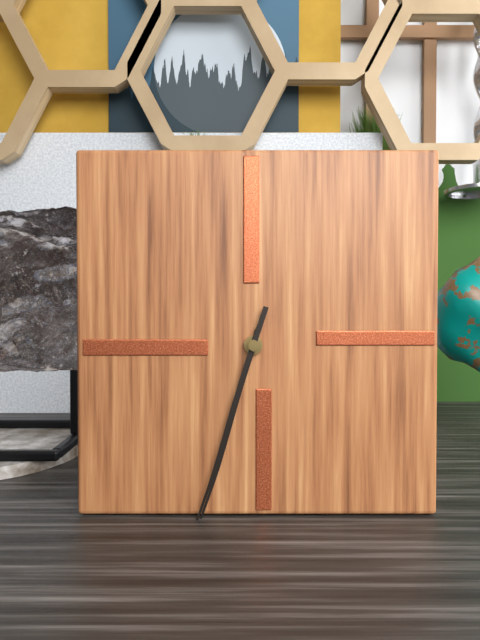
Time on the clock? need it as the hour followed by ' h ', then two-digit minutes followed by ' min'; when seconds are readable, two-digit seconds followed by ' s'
6 h 33 min
